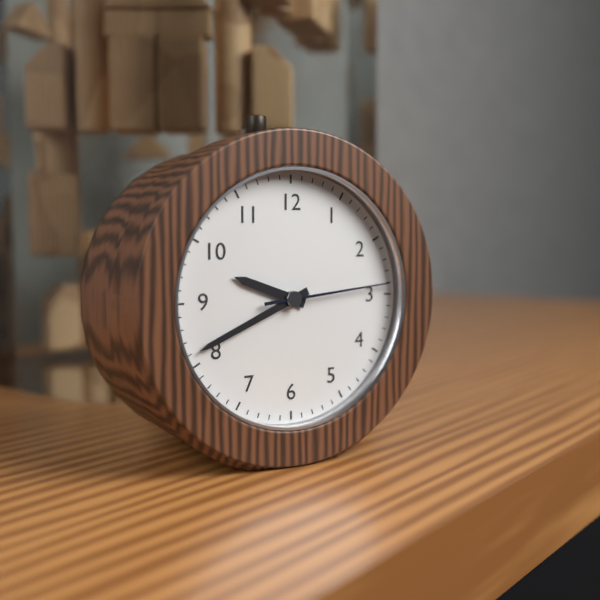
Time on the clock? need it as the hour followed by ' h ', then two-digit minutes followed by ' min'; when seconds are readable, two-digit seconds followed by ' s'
9 h 41 min 14 s
